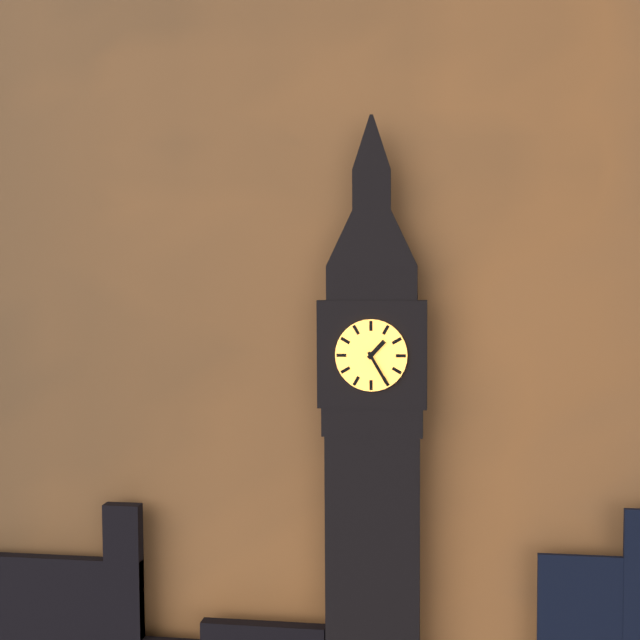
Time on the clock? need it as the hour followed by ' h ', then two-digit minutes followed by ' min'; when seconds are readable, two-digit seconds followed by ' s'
1 h 25 min
